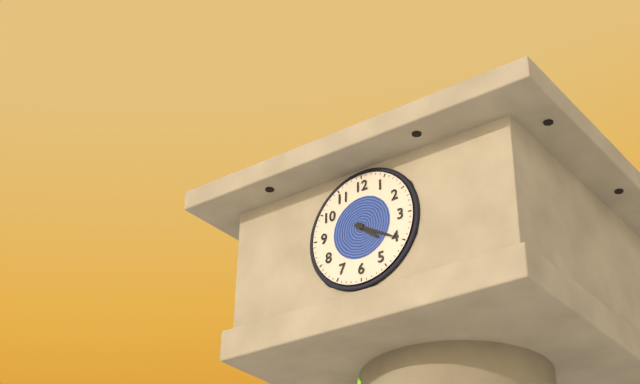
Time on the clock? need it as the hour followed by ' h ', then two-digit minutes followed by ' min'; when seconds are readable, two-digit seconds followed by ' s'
4 h 20 min
